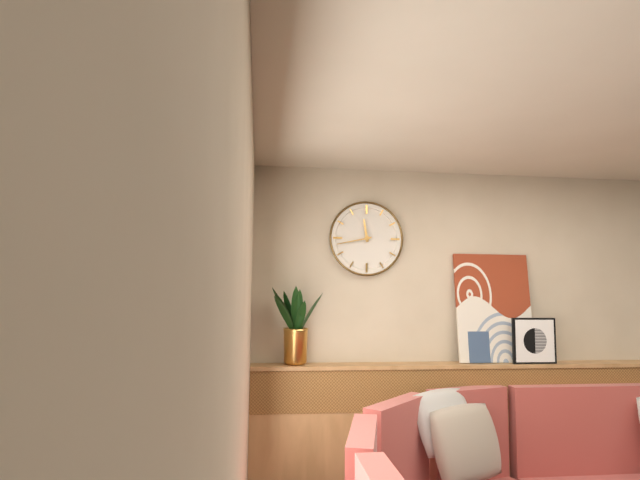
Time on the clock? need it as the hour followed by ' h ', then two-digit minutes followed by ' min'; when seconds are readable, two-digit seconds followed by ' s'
11 h 43 min
